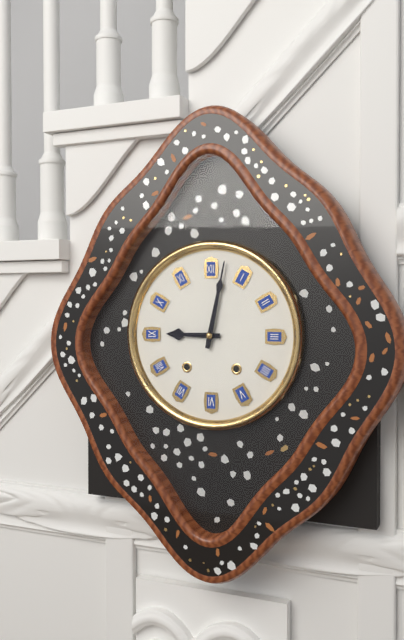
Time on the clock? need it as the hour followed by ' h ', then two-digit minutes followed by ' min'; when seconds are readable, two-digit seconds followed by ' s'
9 h 02 min
